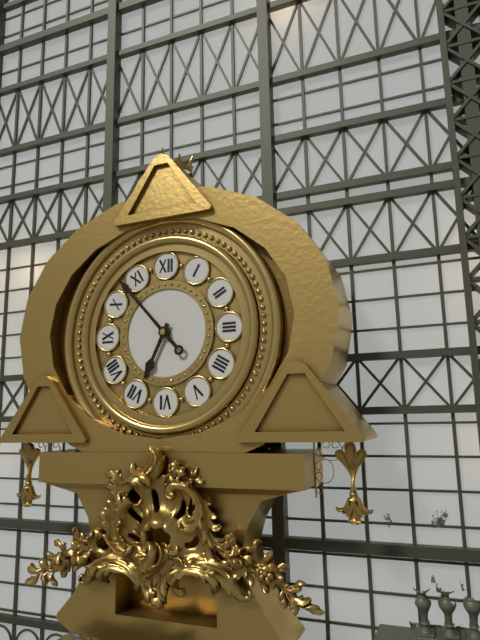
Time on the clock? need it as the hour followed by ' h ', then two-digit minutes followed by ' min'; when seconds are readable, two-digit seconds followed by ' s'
6 h 53 min
